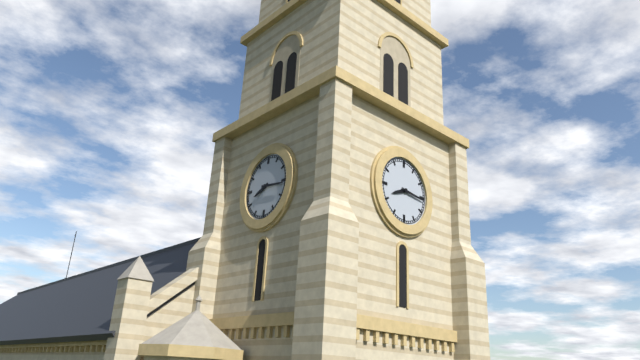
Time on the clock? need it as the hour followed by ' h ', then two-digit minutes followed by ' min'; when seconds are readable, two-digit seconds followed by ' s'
8 h 16 min
